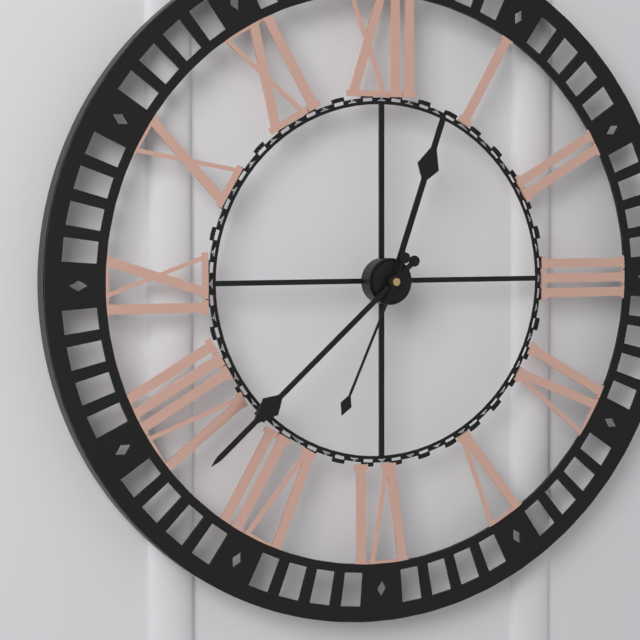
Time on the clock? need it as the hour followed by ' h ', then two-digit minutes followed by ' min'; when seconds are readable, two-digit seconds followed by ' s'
12 h 38 min 34 s
